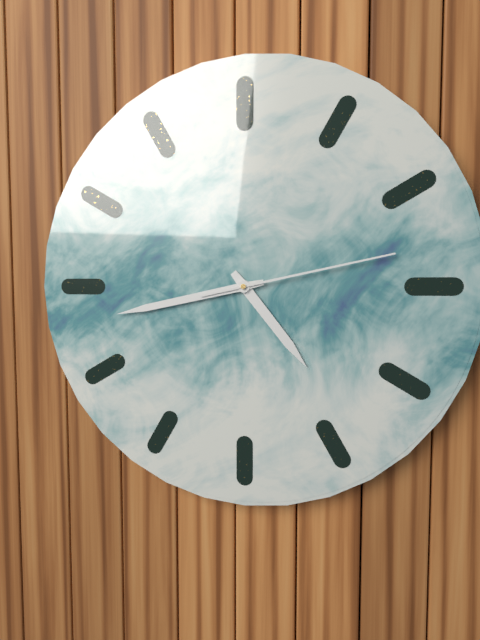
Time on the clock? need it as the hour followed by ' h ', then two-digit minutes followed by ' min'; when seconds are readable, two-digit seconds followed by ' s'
4 h 43 min 13 s
